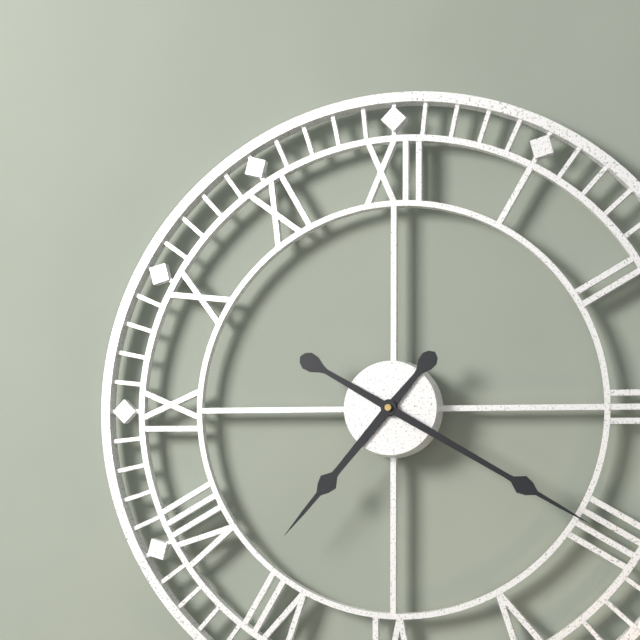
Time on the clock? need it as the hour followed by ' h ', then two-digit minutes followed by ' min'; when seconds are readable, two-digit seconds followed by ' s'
7 h 20 min
